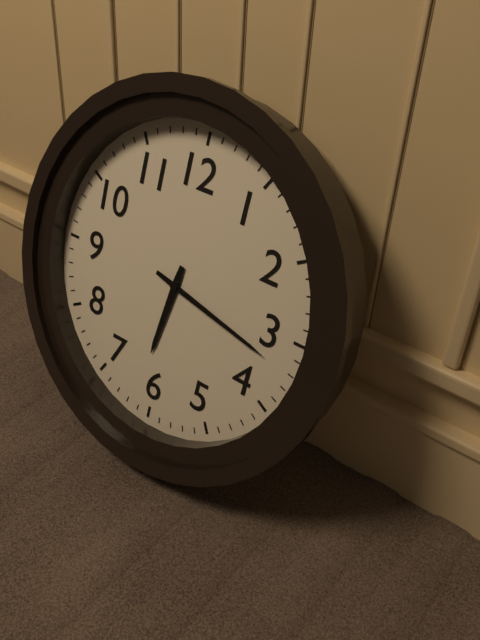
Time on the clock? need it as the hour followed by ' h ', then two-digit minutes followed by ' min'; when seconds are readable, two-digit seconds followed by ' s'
6 h 17 min
